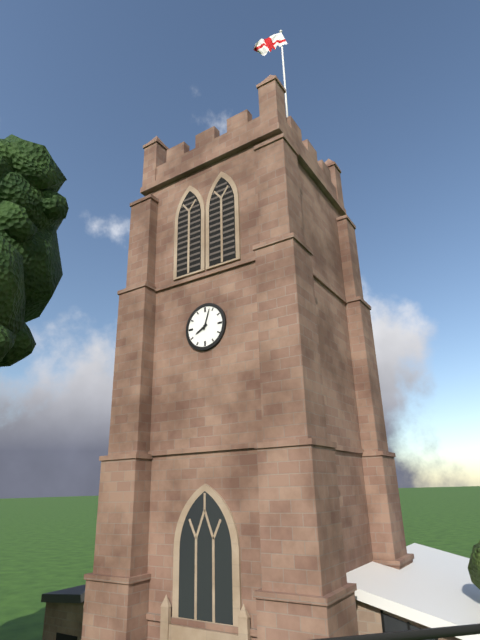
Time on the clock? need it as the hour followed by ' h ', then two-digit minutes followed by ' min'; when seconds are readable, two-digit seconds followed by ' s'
8 h 03 min
